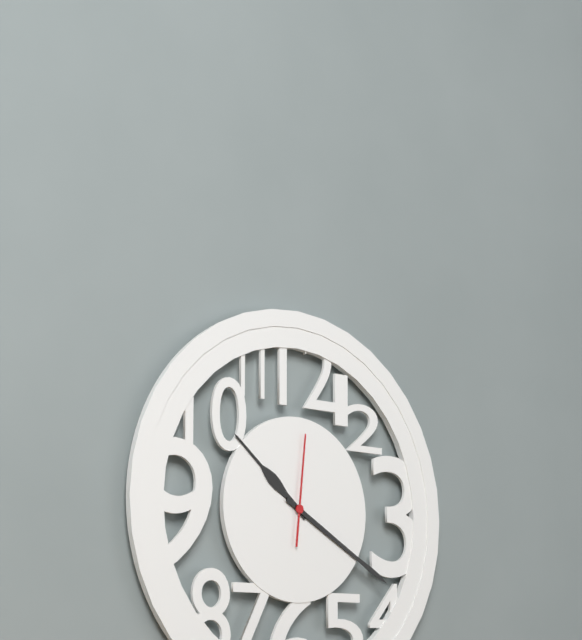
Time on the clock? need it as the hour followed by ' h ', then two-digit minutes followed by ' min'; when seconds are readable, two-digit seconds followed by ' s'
10 h 20 min 01 s
